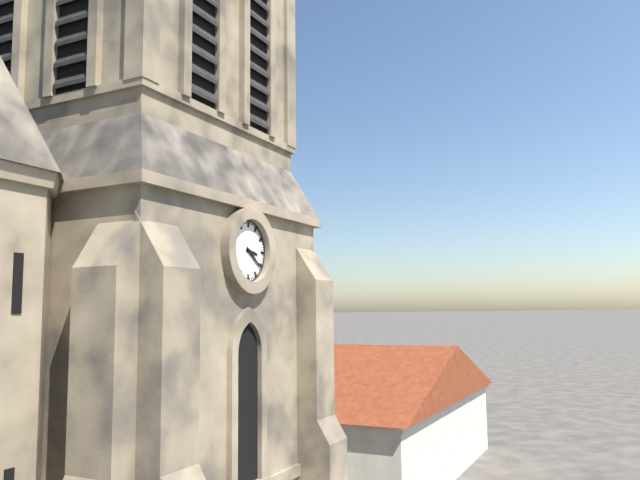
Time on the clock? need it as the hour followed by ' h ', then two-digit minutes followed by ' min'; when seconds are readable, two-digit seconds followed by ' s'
3 h 21 min
